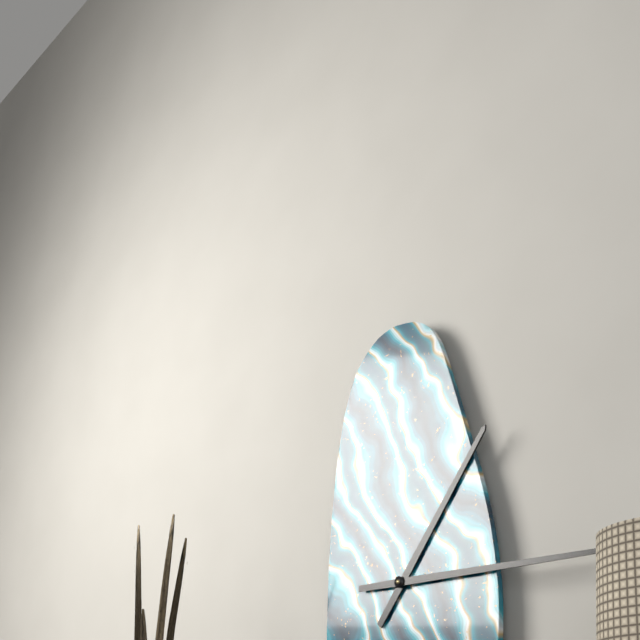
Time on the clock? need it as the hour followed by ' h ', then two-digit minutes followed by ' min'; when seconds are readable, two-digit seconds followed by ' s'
1 h 15 min
